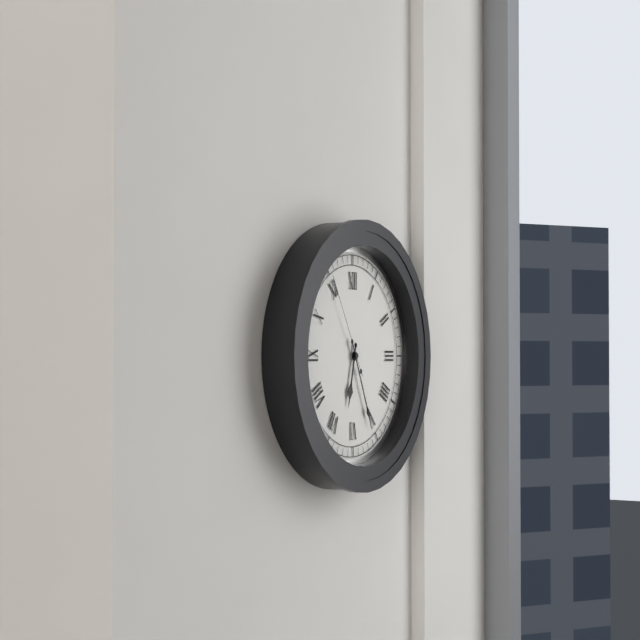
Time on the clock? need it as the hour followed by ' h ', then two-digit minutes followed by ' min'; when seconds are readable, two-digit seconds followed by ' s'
6 h 26 min 55 s
